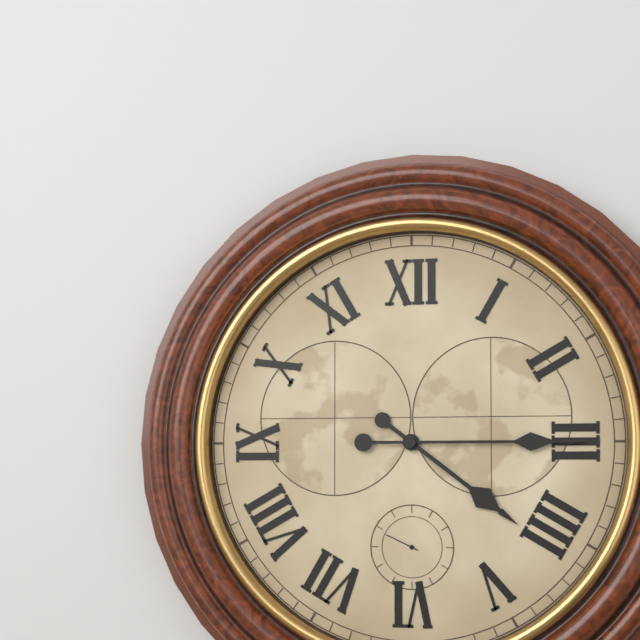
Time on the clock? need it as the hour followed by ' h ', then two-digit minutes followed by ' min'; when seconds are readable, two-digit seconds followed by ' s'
4 h 15 min
